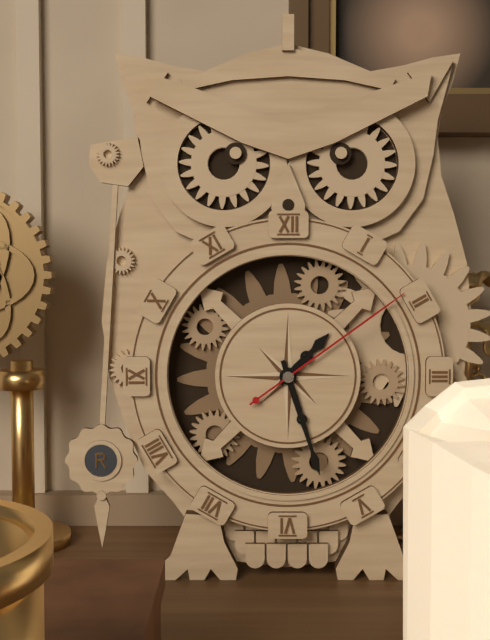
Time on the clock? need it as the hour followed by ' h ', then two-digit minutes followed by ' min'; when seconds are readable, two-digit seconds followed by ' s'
1 h 27 min 09 s
